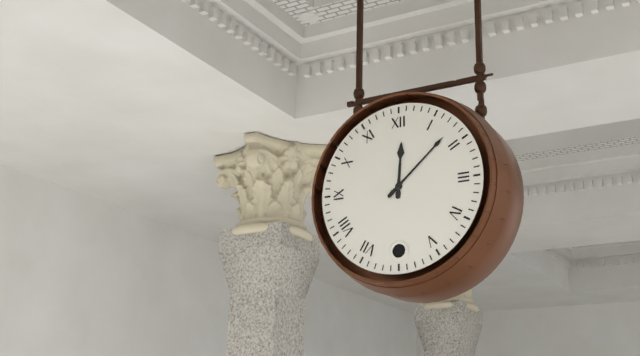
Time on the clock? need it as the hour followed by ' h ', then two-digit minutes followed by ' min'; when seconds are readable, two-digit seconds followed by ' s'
12 h 08 min
